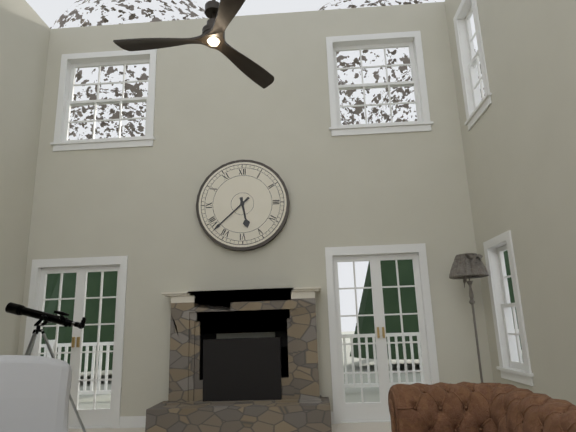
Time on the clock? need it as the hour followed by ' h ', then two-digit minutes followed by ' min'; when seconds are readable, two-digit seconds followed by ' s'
5 h 38 min
